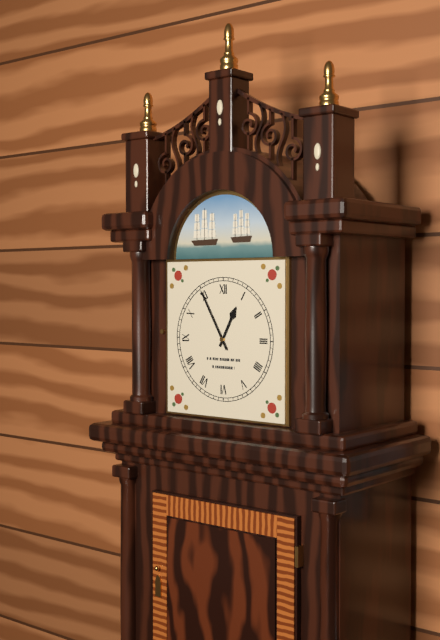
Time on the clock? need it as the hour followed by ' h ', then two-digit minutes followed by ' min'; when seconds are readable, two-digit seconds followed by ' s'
12 h 55 min
